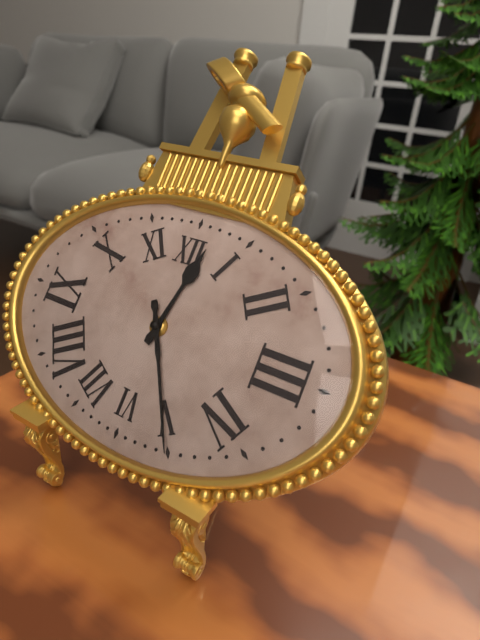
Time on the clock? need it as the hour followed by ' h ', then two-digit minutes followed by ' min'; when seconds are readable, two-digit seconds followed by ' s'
12 h 25 min
